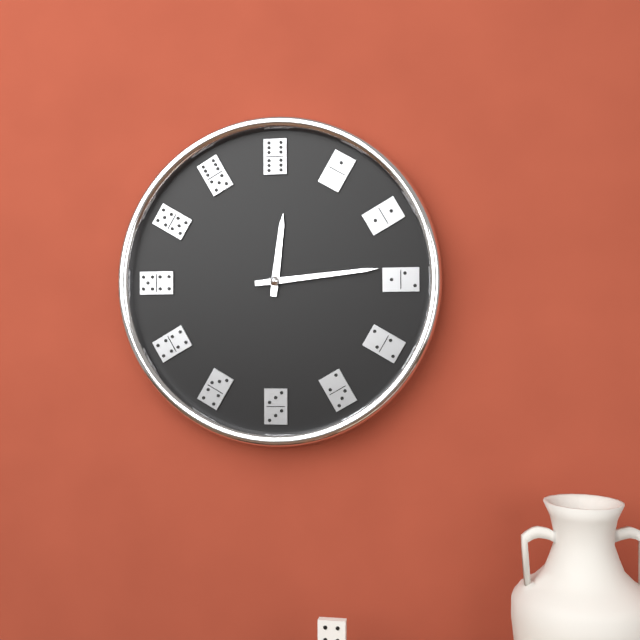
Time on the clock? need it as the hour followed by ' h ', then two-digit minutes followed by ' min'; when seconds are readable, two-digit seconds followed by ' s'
12 h 14 min
